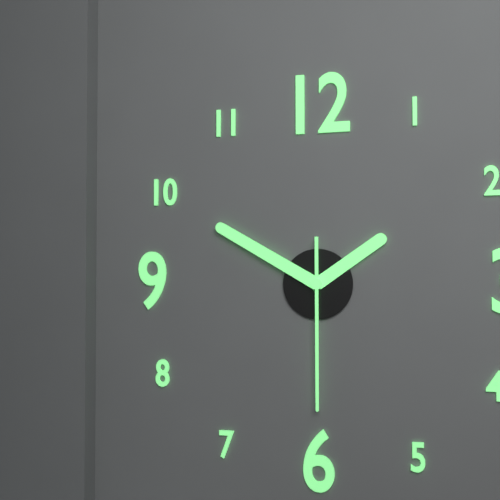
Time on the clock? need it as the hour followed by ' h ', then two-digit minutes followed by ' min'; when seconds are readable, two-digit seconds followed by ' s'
1 h 50 min 30 s
